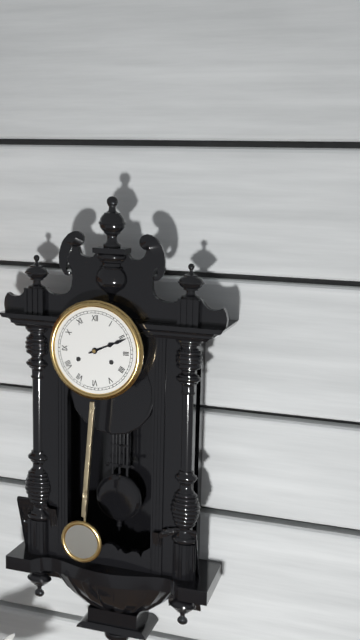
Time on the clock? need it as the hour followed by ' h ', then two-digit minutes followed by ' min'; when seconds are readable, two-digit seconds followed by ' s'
2 h 11 min
